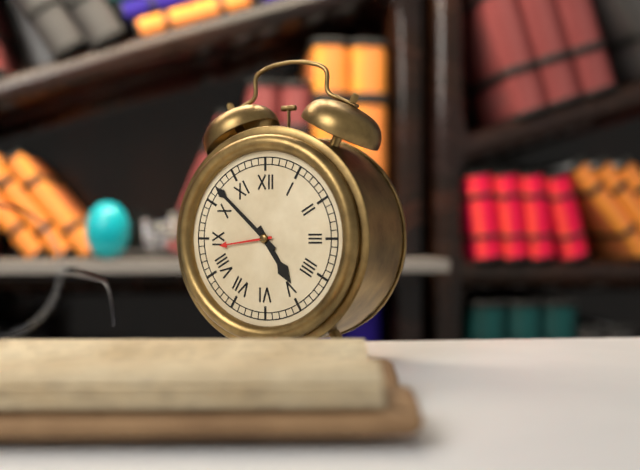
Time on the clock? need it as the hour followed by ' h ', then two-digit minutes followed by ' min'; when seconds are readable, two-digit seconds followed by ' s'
4 h 52 min
